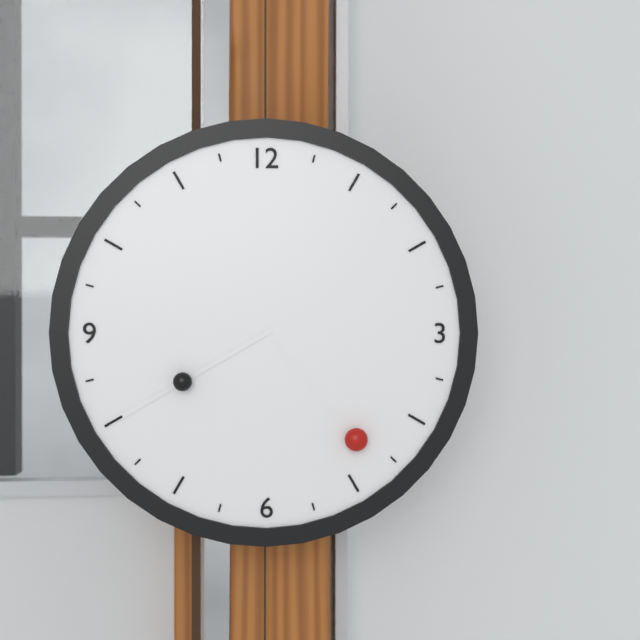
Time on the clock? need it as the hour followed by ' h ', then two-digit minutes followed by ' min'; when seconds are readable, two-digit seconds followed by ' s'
4 h 40 min
